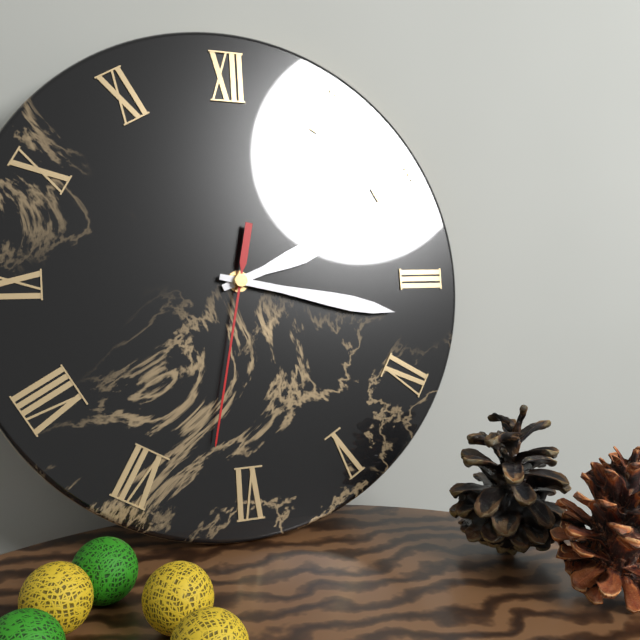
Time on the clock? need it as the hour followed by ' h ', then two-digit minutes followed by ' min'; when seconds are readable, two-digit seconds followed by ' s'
2 h 17 min 32 s
